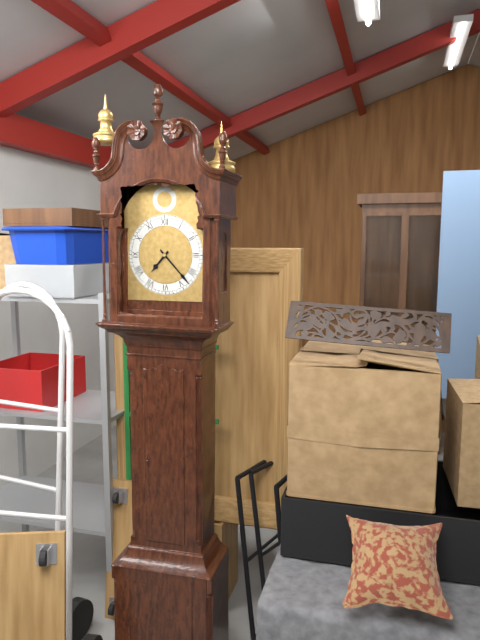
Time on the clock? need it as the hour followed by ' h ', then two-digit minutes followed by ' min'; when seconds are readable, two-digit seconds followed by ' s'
7 h 23 min
